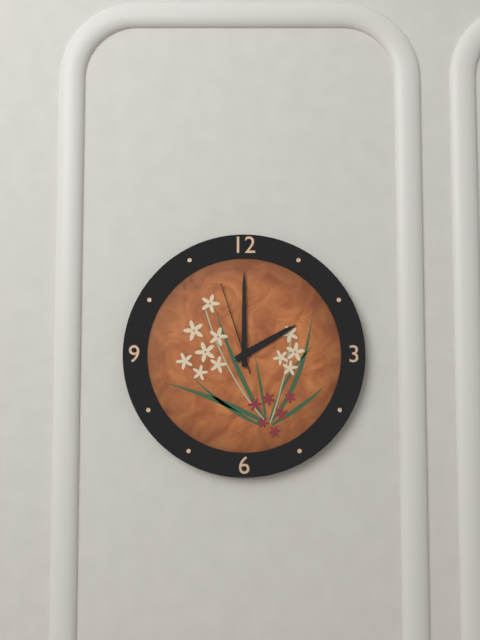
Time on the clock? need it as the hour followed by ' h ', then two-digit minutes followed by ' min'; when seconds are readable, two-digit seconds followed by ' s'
2 h 00 min 57 s
